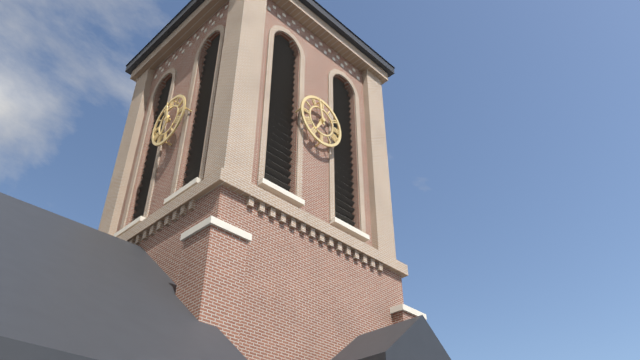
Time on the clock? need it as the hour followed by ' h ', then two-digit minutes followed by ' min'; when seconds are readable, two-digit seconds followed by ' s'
6 h 58 min
